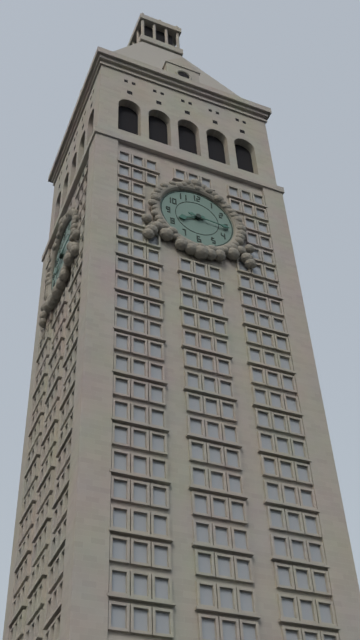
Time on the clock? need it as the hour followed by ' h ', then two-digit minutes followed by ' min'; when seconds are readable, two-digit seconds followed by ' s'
8 h 16 min
